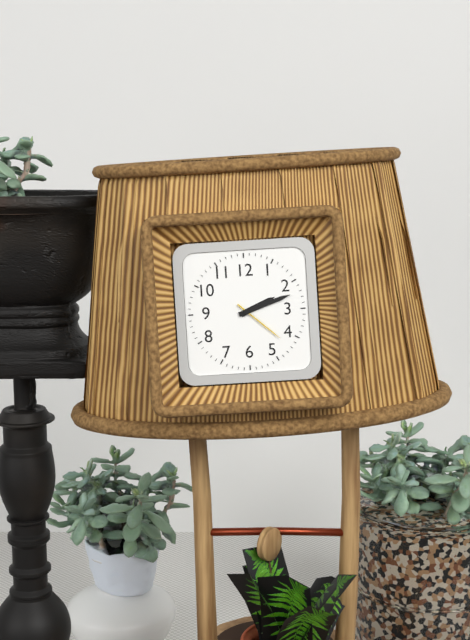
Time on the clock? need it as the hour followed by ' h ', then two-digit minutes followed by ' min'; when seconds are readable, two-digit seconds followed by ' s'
2 h 12 min 22 s
